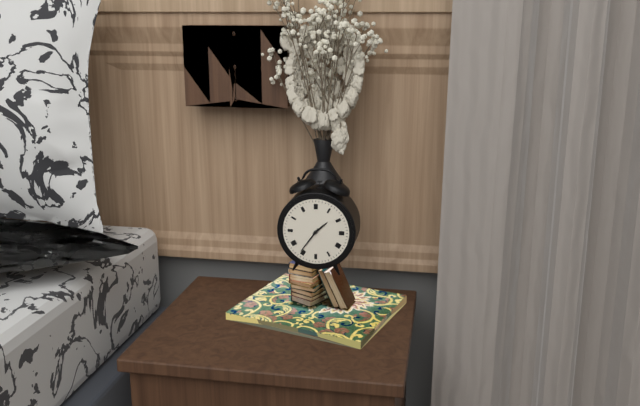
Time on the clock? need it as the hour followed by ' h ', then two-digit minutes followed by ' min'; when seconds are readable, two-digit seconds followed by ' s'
1 h 36 min
